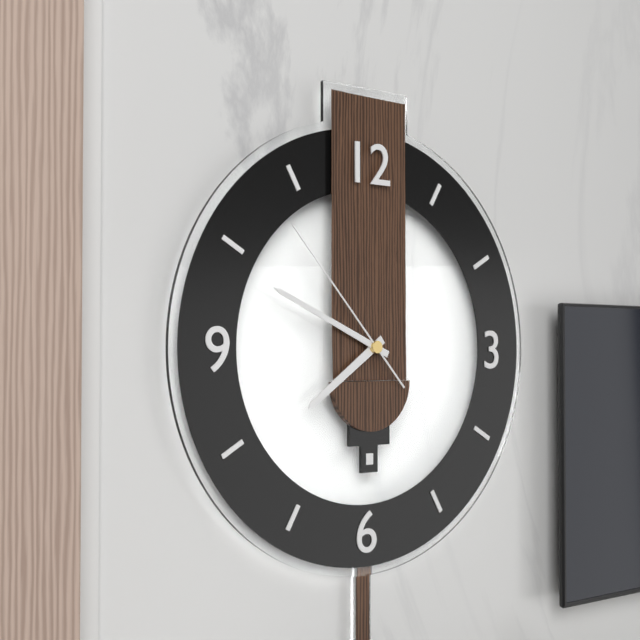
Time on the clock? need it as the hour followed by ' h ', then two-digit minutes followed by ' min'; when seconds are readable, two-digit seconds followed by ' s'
7 h 49 min 53 s
